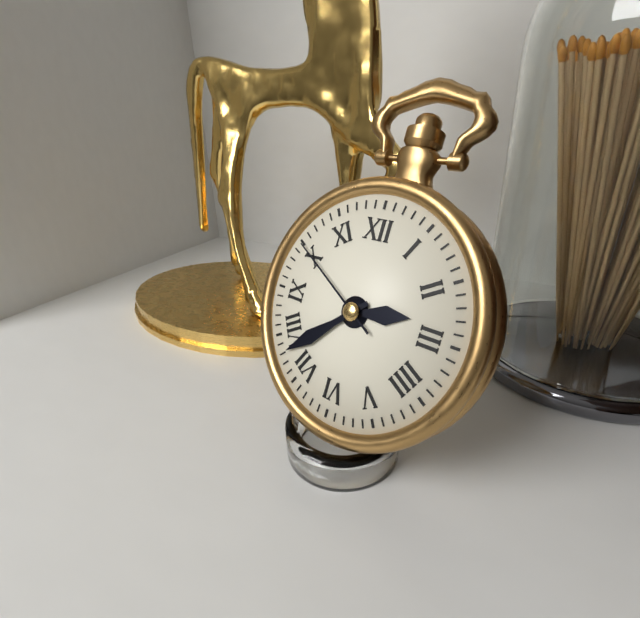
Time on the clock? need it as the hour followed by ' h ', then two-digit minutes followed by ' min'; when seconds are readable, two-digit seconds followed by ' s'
2 h 38 min 50 s
